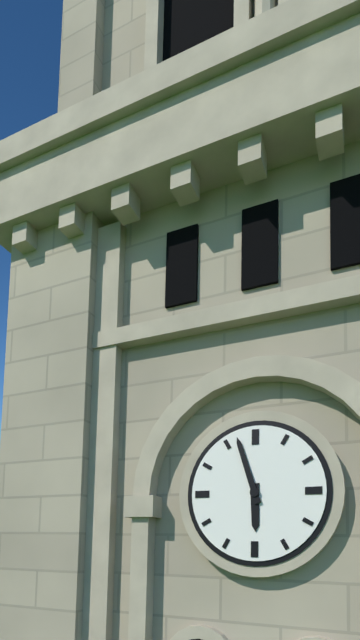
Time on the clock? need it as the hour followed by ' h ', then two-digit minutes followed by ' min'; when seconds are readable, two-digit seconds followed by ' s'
5 h 57 min
